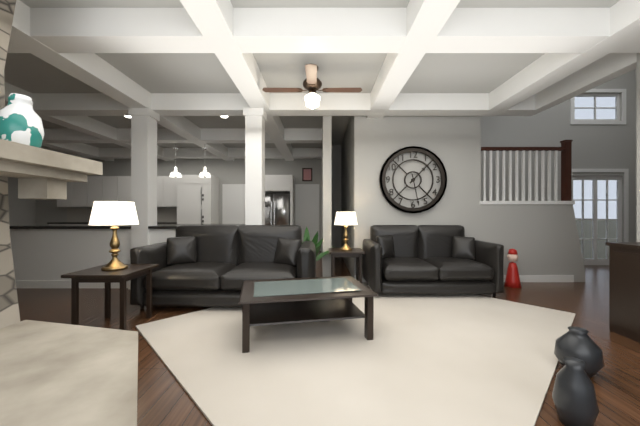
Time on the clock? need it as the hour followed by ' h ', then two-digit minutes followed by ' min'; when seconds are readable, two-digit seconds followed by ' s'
1 h 28 min
